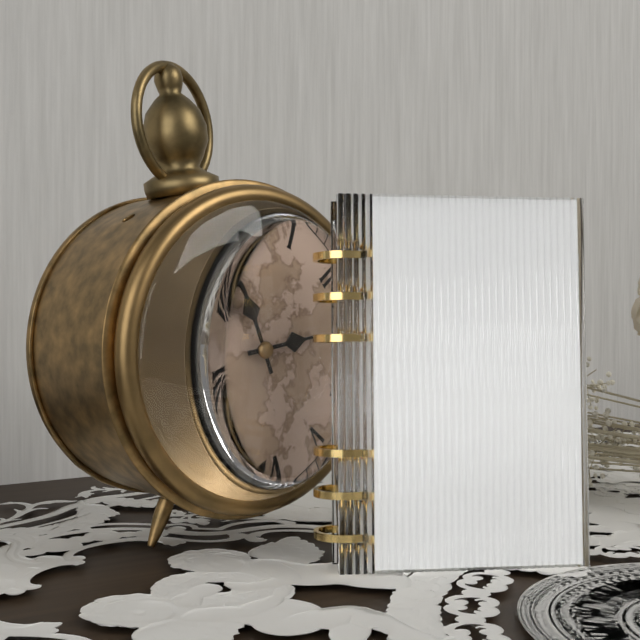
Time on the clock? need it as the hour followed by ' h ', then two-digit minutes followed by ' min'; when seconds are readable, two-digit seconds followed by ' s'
2 h 58 min
